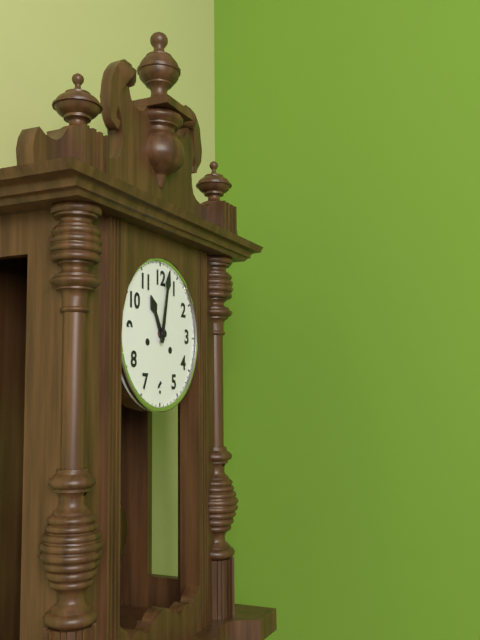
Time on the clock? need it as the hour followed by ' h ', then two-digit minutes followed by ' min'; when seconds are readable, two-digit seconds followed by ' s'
11 h 02 min
